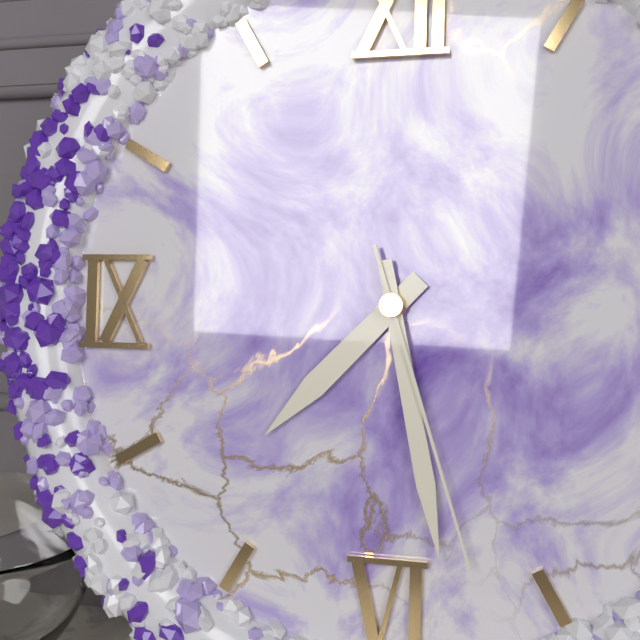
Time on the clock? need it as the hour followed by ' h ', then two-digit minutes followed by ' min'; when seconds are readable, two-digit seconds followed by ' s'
7 h 28 min 27 s
